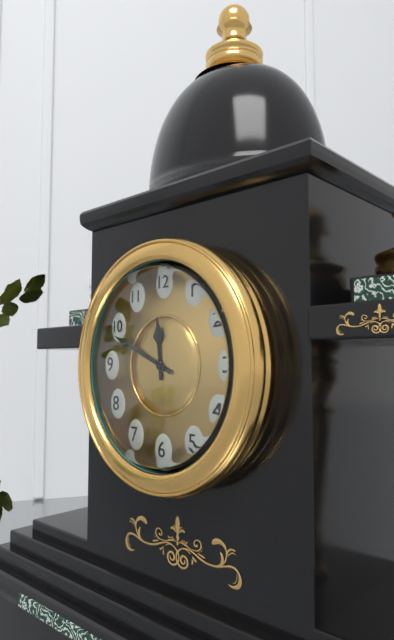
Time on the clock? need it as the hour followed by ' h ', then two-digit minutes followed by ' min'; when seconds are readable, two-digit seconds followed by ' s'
11 h 49 min
